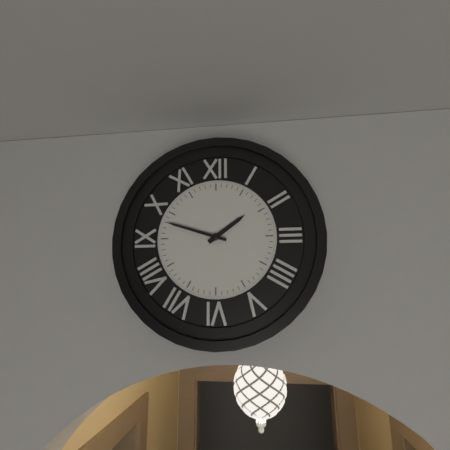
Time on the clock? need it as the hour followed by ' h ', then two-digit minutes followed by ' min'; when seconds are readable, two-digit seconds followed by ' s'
1 h 48 min
